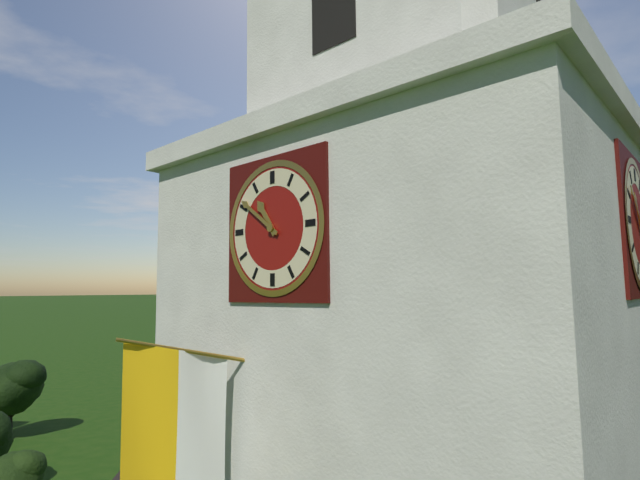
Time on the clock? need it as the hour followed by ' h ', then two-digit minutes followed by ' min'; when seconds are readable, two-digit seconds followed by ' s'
10 h 51 min
